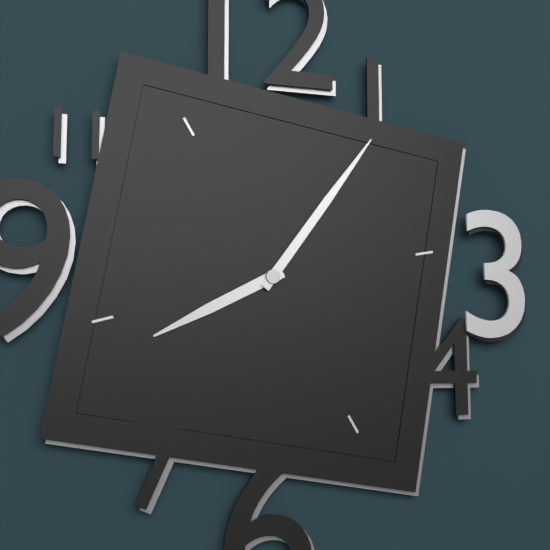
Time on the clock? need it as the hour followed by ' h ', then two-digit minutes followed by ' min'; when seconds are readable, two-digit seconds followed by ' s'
8 h 06 min
